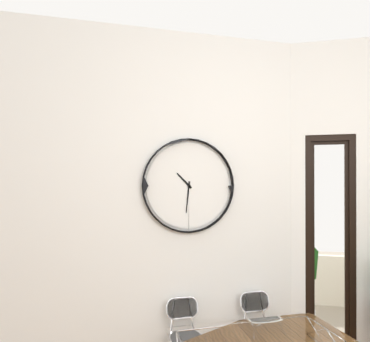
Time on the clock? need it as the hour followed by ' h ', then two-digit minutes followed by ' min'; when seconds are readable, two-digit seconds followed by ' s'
10 h 31 min
